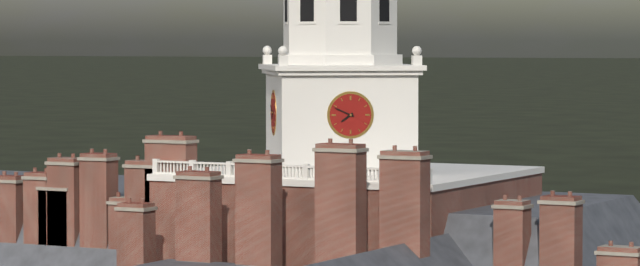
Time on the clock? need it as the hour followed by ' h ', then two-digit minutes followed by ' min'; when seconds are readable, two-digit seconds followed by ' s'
7 h 49 min
